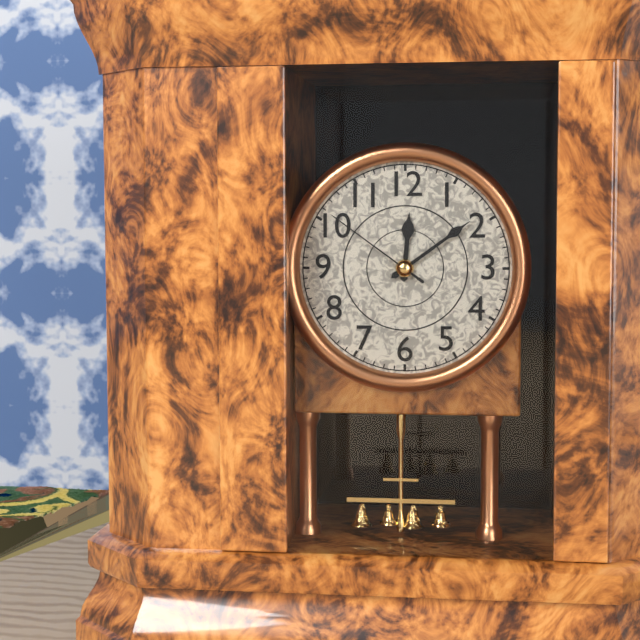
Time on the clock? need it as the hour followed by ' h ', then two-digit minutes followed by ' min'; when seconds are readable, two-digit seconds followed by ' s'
12 h 09 min 51 s
